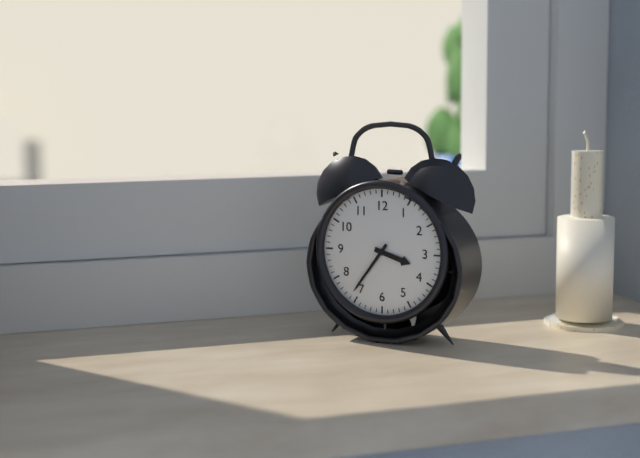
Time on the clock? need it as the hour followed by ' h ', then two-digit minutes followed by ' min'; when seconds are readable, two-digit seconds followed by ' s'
3 h 36 min
